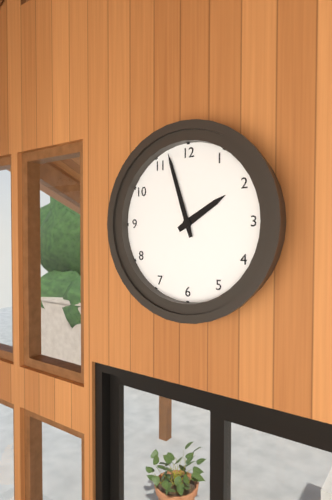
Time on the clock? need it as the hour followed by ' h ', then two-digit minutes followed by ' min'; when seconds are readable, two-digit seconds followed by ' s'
1 h 57 min
